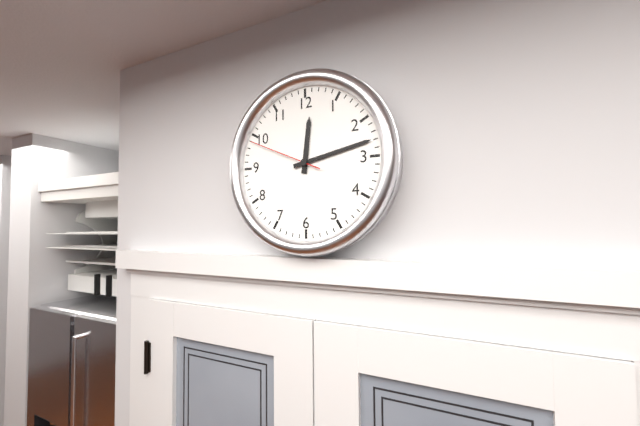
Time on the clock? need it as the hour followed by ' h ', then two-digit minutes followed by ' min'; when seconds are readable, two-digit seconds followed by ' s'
12 h 13 min 49 s
